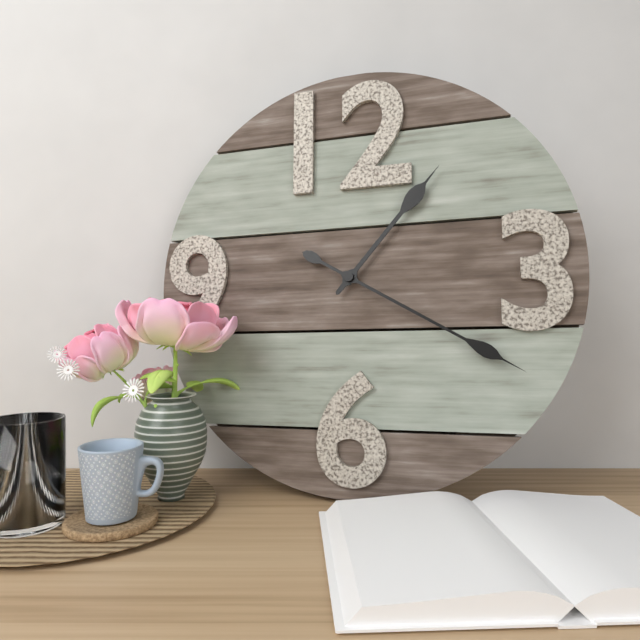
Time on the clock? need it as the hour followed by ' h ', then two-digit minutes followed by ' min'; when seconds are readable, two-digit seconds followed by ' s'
1 h 20 min
